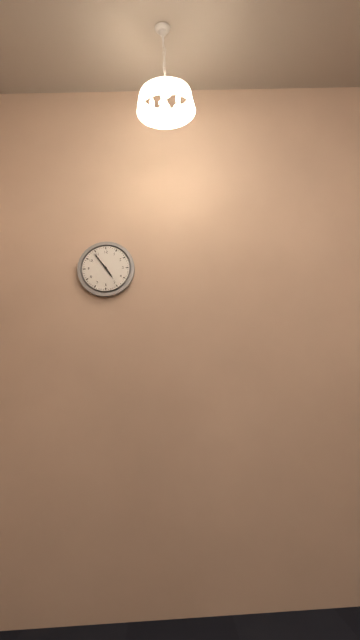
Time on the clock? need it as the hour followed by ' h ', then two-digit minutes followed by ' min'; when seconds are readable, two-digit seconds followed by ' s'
4 h 54 min
